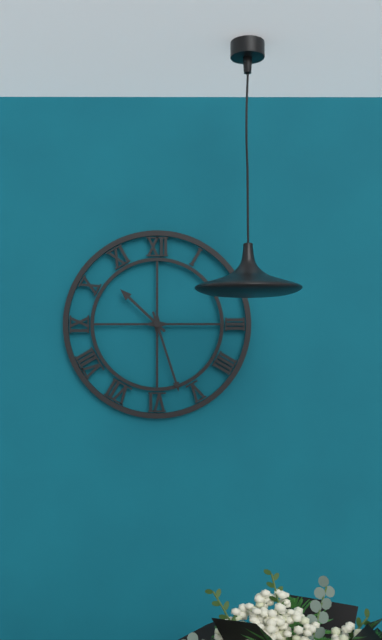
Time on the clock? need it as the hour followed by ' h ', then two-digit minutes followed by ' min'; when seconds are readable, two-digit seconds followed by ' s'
10 h 27 min
